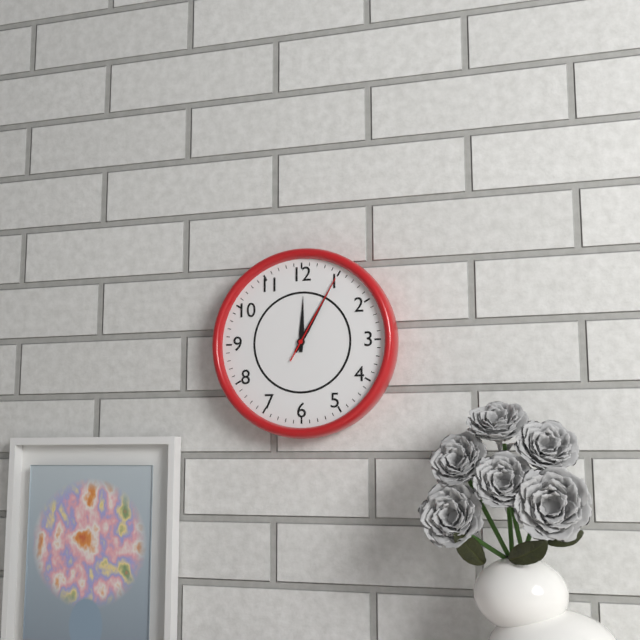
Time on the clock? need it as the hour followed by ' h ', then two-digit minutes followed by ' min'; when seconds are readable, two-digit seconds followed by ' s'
12 h 05 min 05 s
